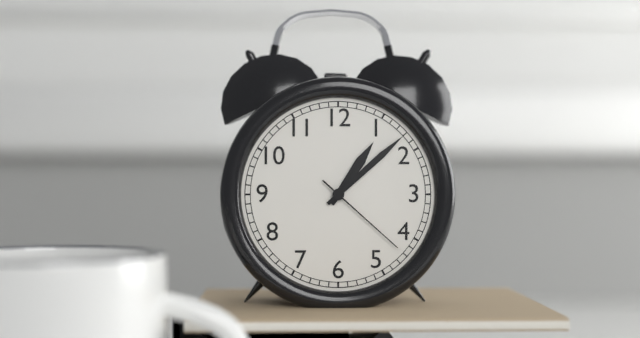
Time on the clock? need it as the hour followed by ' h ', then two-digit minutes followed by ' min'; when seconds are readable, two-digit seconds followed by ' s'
1 h 08 min 22 s
